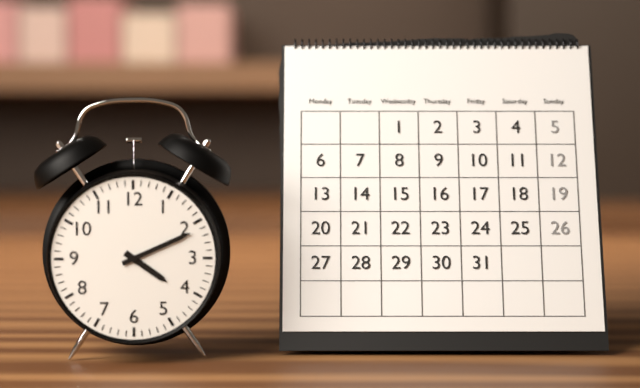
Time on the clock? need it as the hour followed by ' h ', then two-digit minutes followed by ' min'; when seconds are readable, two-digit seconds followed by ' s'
4 h 11 min
